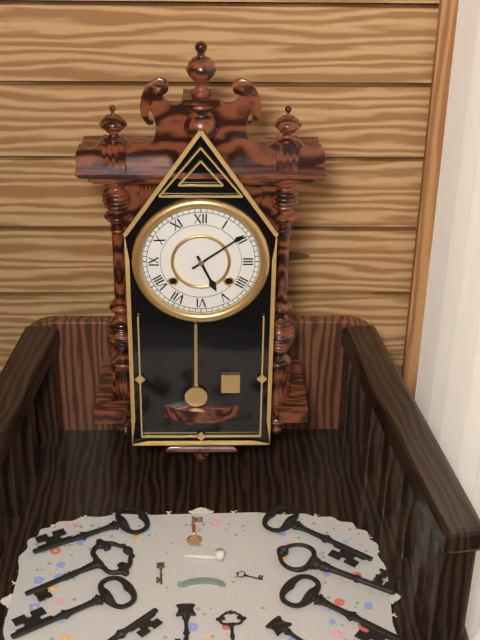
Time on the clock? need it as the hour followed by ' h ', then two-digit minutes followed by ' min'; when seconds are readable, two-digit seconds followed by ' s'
5 h 09 min
